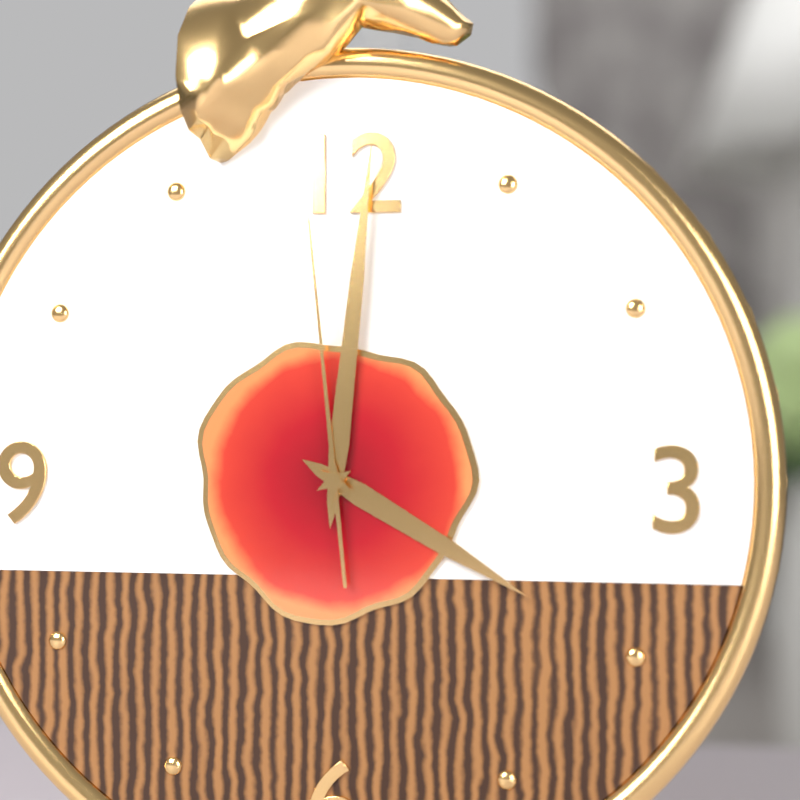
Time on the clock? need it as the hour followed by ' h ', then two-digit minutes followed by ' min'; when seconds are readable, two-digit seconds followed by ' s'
4 h 01 min 59 s
